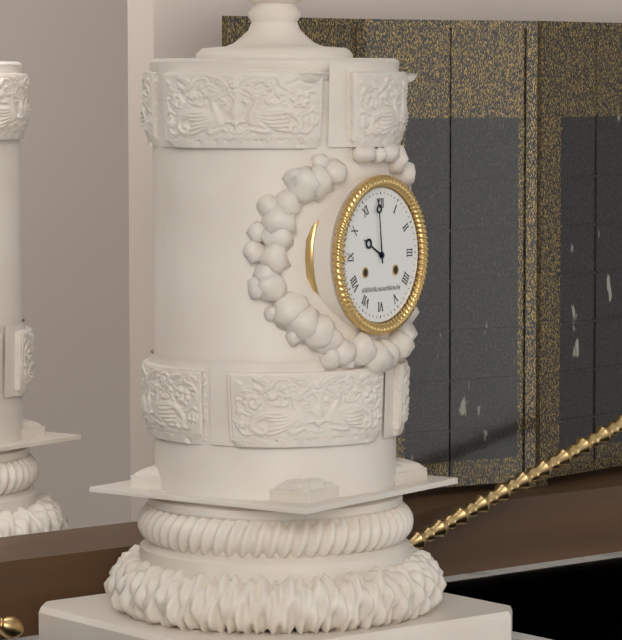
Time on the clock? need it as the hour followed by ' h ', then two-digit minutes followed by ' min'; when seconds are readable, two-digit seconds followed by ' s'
9 h 59 min
